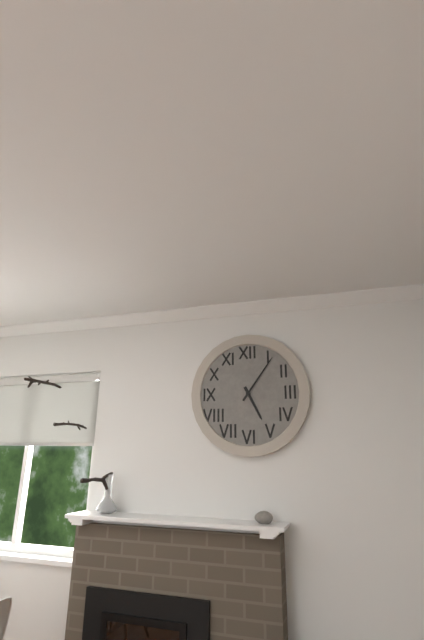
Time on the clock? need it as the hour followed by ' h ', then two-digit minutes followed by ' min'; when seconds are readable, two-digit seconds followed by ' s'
5 h 06 min
